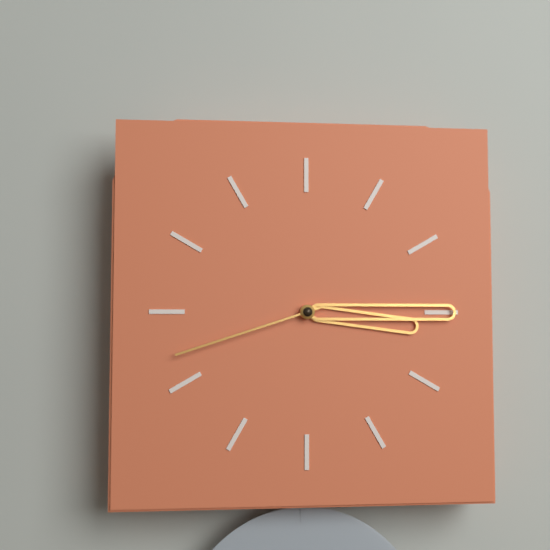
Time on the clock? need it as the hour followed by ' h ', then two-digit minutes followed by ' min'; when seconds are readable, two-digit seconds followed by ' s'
3 h 15 min 42 s
